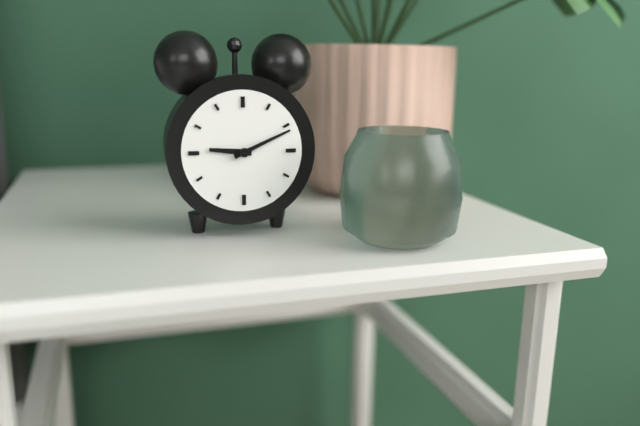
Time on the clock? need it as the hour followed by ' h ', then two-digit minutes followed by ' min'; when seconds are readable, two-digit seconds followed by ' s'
9 h 11 min
